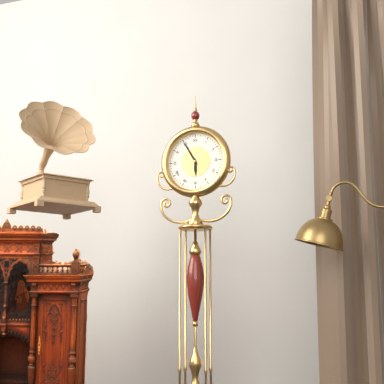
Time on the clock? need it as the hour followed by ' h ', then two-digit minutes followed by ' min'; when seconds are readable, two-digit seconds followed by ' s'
5 h 55 min
